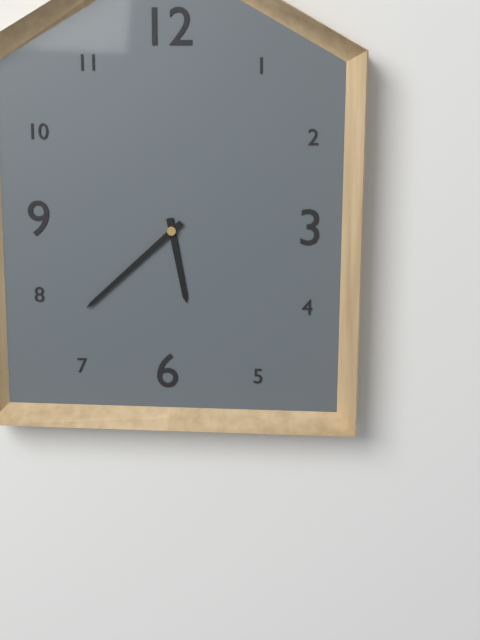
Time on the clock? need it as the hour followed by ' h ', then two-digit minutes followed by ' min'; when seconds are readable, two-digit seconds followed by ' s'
5 h 38 min
